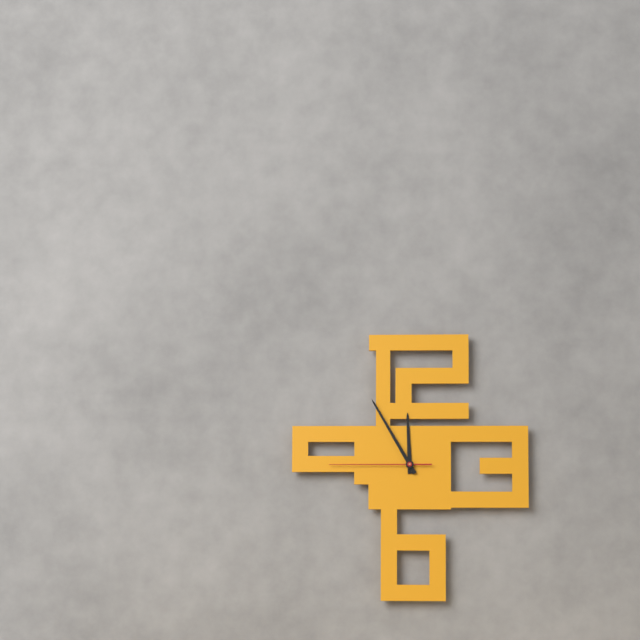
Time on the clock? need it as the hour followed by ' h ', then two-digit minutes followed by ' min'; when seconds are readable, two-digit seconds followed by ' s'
11 h 55 min 45 s
